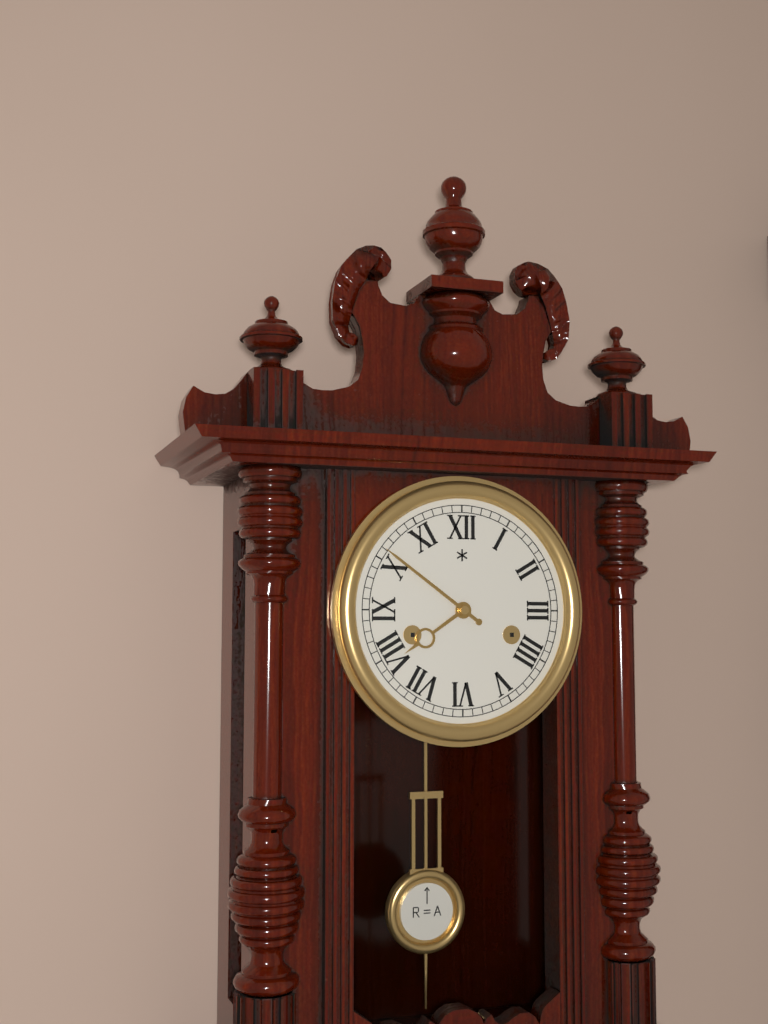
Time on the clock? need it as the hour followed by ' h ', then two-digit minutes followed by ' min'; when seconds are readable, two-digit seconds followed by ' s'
7 h 51 min
